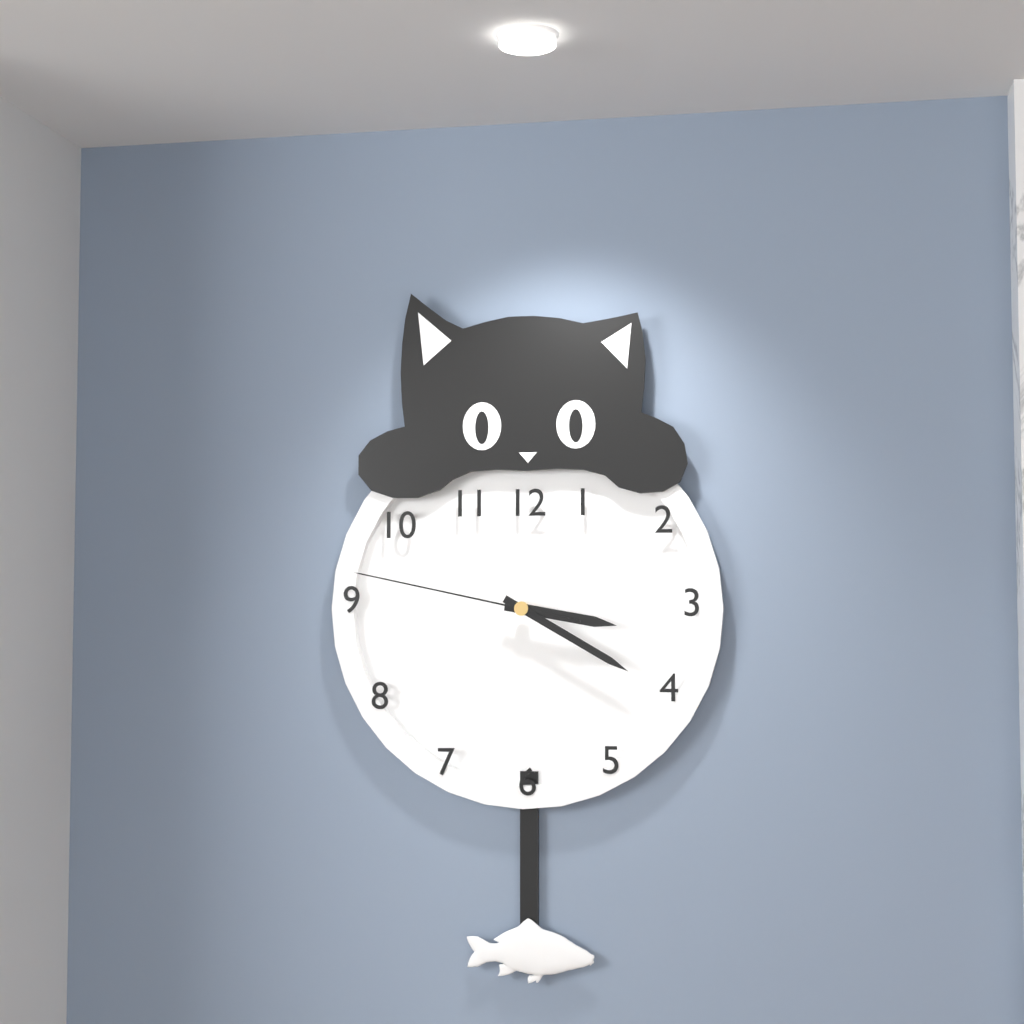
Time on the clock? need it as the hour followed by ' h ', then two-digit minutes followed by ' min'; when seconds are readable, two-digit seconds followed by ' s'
3 h 20 min 47 s
